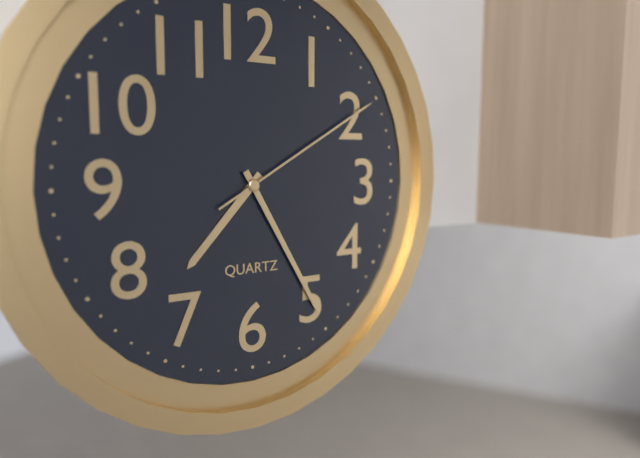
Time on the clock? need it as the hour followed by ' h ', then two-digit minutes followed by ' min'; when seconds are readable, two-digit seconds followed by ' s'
7 h 25 min 10 s
